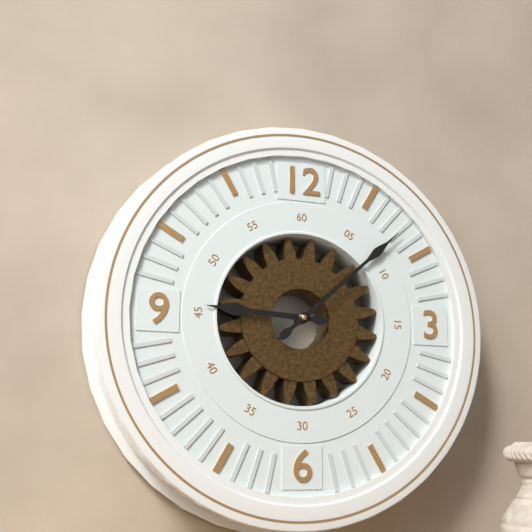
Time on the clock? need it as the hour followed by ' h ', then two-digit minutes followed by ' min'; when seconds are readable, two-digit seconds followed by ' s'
9 h 08 min
